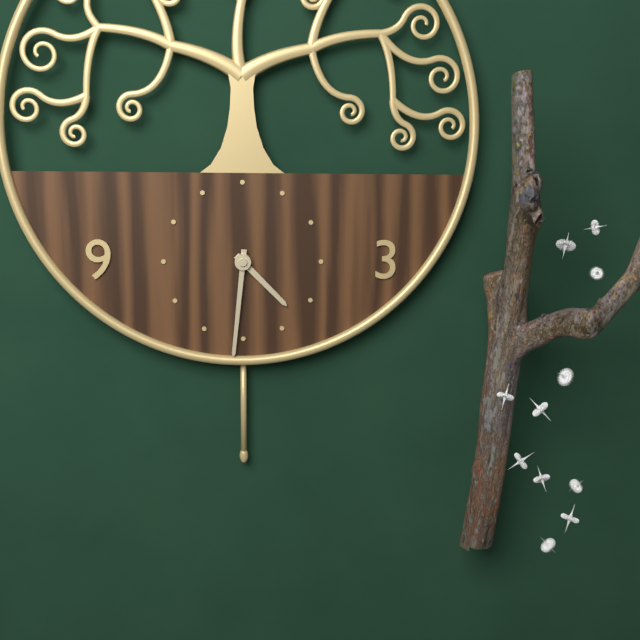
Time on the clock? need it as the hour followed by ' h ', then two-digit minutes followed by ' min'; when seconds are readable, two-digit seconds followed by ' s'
4 h 31 min
